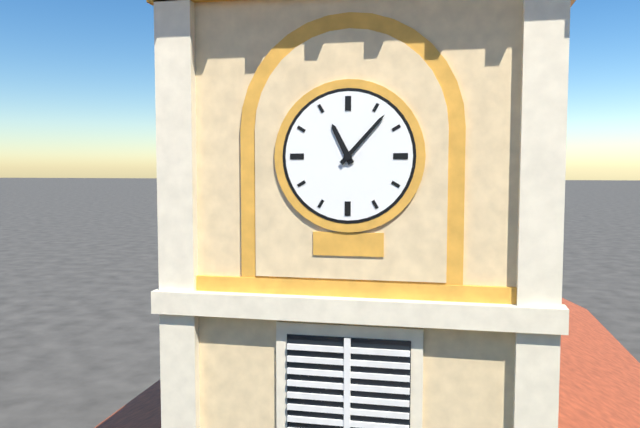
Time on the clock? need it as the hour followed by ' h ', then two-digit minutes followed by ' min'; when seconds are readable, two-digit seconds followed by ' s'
11 h 07 min
